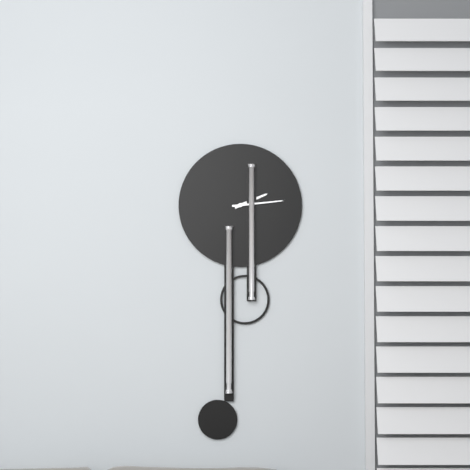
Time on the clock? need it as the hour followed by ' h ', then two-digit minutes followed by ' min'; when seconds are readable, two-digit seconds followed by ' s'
2 h 14 min
